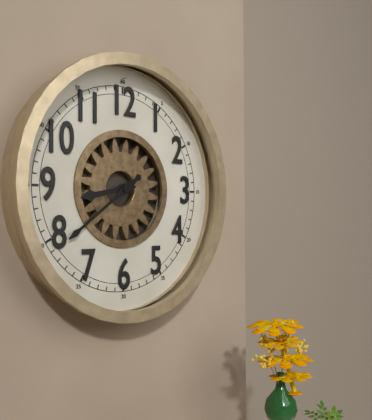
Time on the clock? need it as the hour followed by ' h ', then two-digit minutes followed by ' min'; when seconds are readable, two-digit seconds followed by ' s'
8 h 39 min
